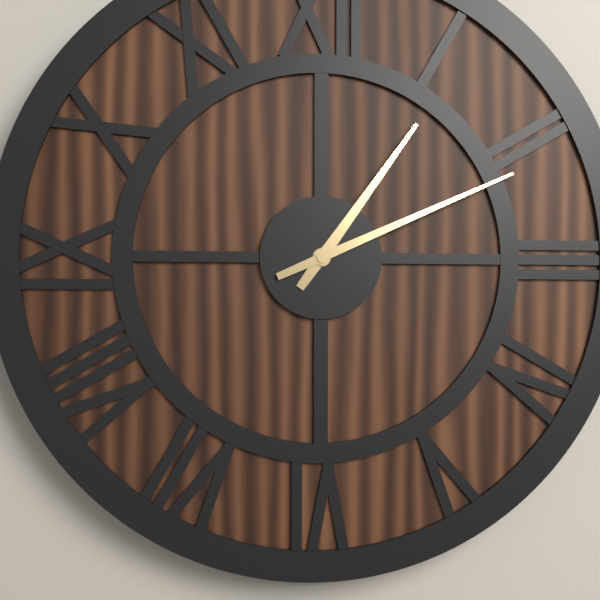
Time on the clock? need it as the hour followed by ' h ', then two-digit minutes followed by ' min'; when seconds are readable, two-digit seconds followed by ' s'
1 h 11 min
